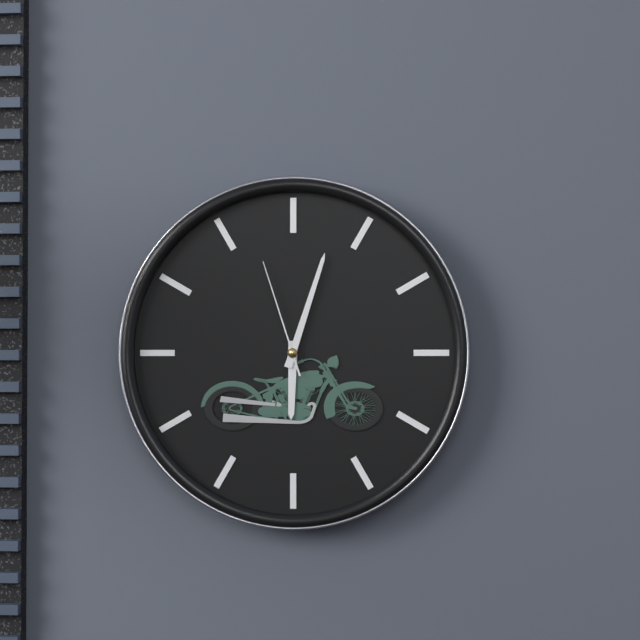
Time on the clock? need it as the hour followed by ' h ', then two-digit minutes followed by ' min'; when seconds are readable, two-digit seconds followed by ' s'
6 h 03 min 57 s
